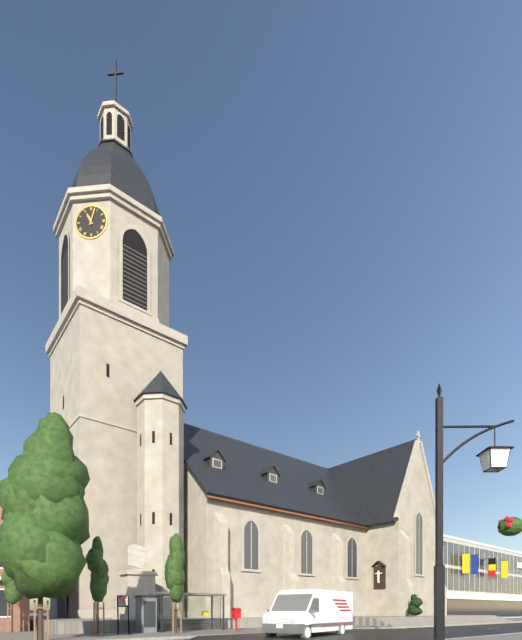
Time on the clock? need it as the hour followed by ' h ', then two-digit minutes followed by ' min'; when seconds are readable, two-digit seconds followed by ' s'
11 h 03 min
